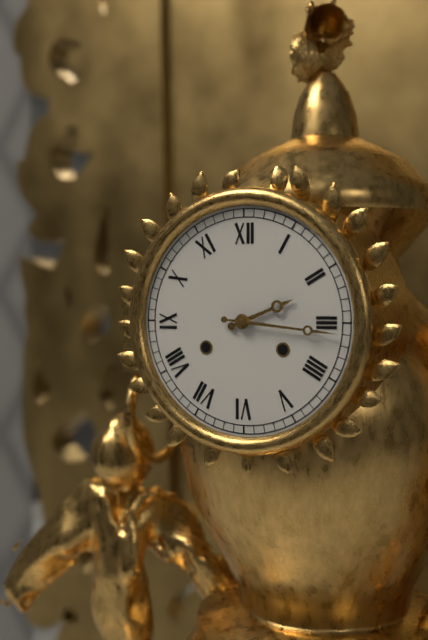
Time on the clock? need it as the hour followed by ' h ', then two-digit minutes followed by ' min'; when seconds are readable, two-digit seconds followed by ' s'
2 h 16 min
